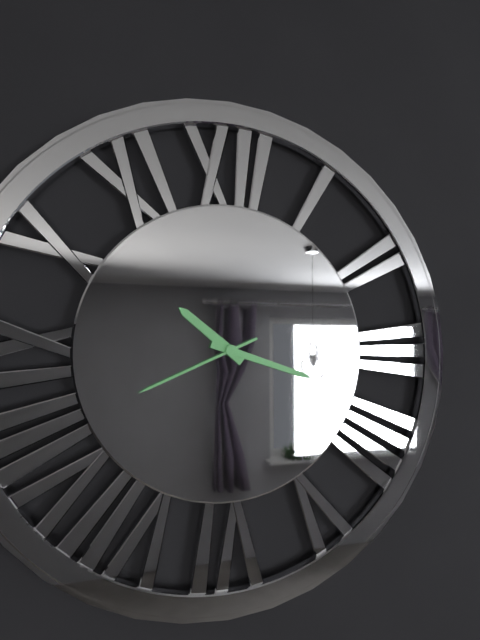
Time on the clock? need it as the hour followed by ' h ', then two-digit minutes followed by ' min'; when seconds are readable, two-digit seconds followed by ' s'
10 h 18 min 41 s
